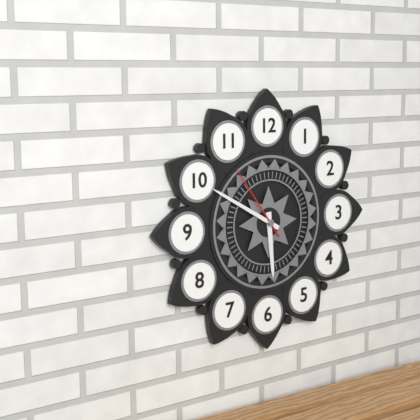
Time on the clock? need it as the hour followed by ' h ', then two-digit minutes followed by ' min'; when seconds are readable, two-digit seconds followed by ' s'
5 h 50 min 54 s
